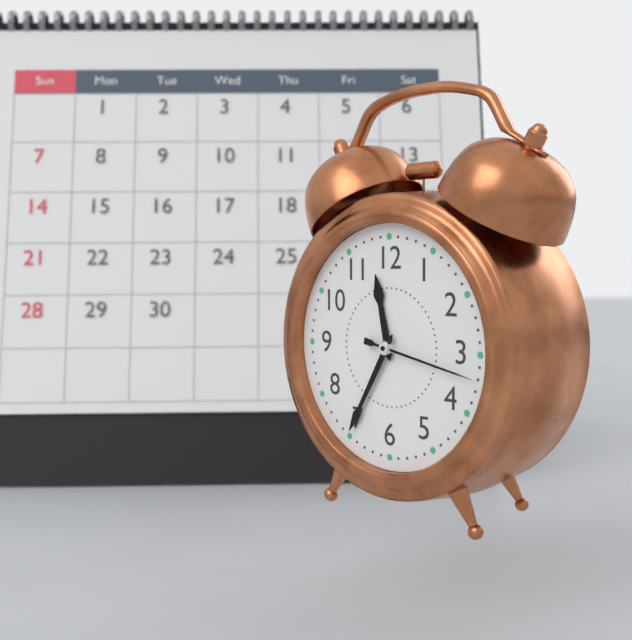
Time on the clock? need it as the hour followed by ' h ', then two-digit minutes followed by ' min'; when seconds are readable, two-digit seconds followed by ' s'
11 h 35 min 17 s
